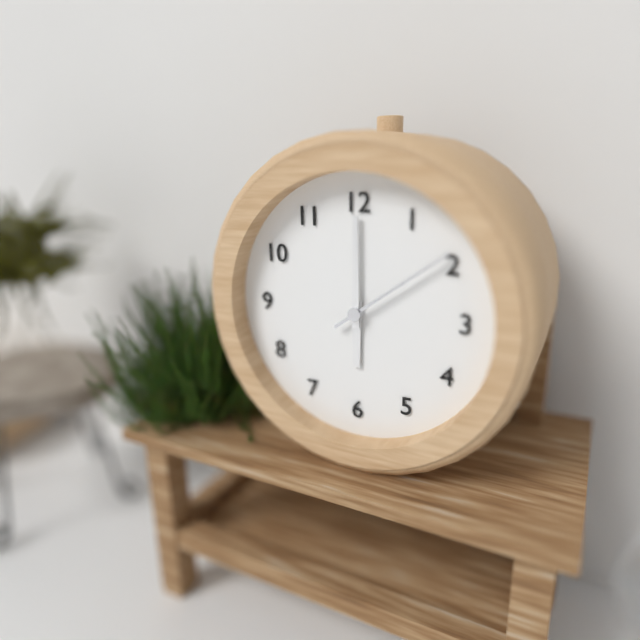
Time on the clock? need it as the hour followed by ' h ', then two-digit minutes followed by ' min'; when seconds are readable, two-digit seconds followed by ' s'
6 h 00 min 09 s
